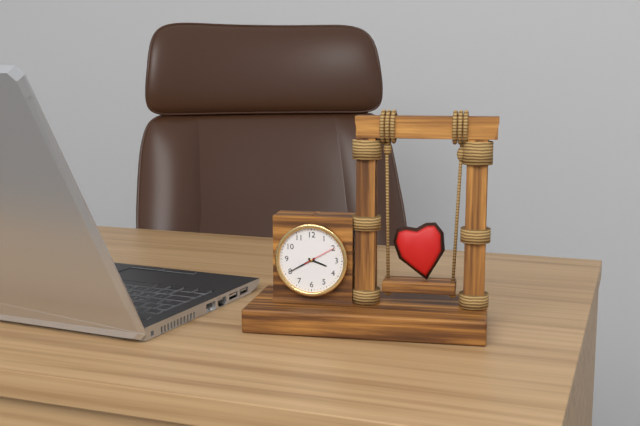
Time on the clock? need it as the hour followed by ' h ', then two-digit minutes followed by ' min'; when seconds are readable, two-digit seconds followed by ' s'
3 h 40 min
